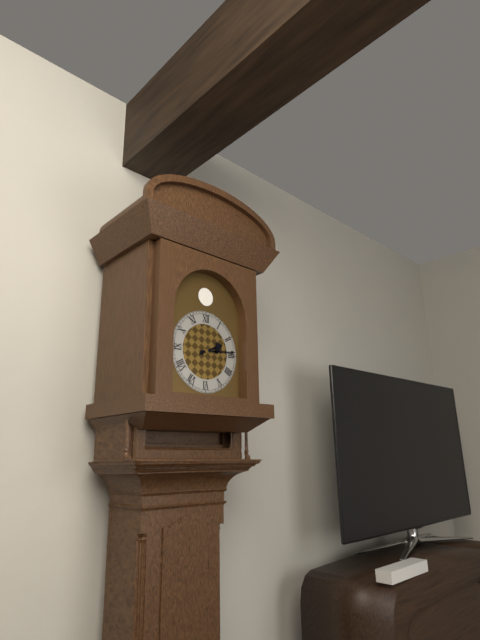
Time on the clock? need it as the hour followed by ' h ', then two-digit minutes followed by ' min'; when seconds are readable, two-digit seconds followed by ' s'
2 h 14 min
